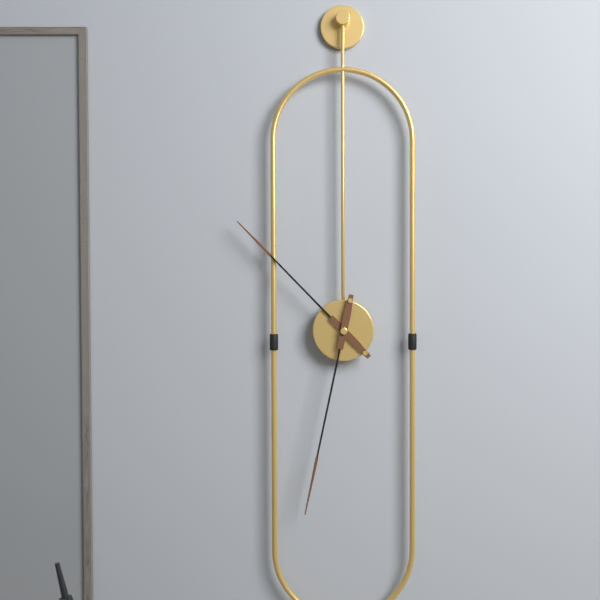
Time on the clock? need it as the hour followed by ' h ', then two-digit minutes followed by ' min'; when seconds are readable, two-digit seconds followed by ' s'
10 h 32 min
